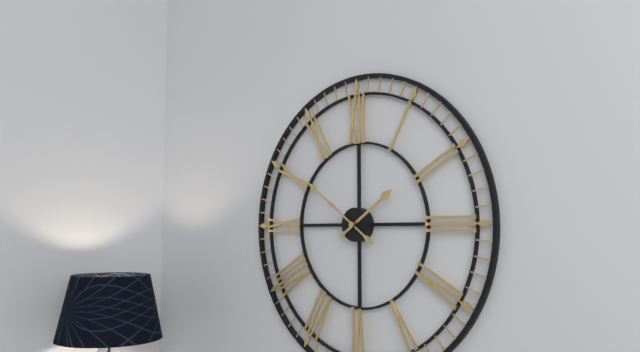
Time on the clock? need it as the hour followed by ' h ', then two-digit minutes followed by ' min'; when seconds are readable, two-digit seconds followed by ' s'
1 h 51 min
